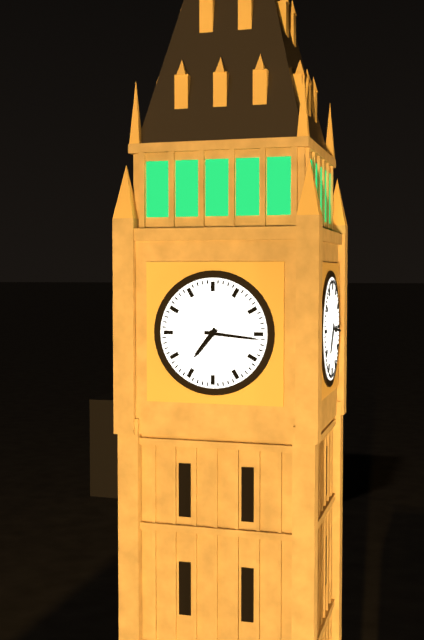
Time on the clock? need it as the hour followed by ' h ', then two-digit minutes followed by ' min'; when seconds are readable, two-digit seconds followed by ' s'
7 h 16 min
